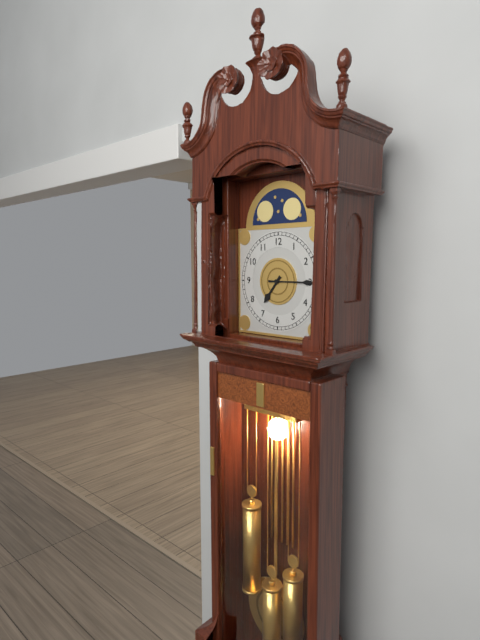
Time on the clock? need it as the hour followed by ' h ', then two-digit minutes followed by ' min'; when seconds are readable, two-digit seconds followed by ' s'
7 h 15 min
